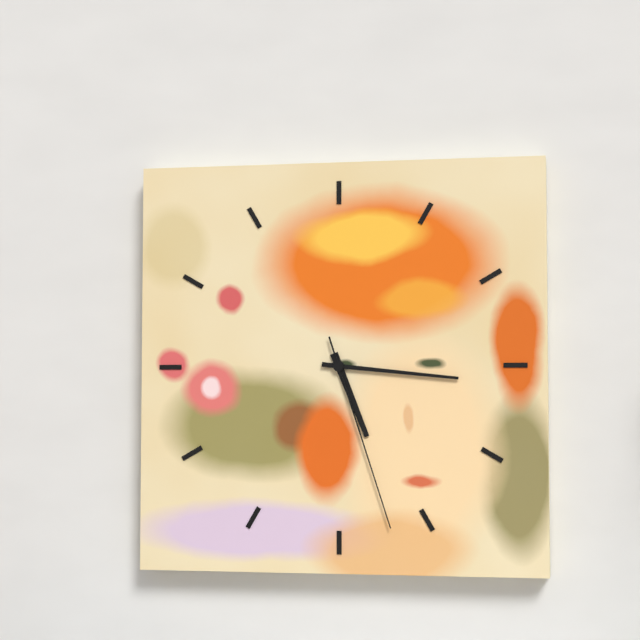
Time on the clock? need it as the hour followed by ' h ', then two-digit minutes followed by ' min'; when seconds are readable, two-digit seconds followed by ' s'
5 h 16 min 27 s
